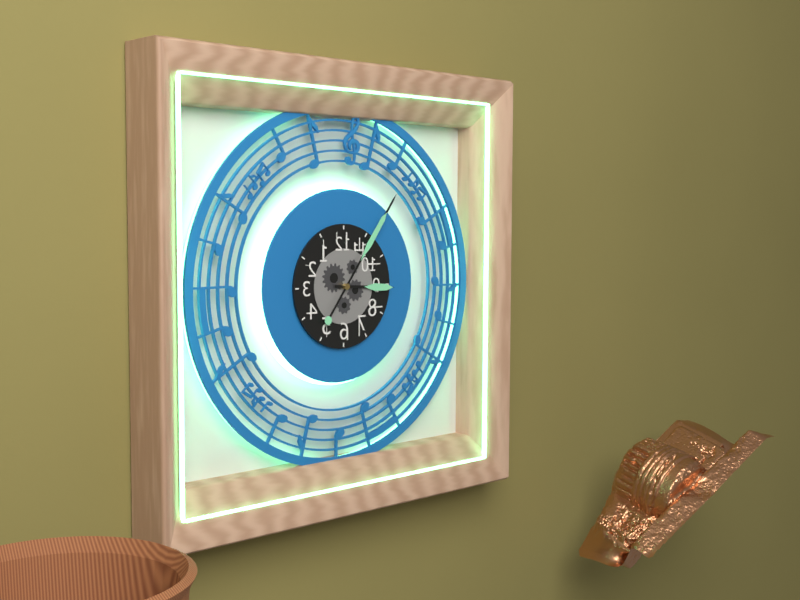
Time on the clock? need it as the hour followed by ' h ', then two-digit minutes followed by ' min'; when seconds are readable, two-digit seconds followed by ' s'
3 h 06 min
